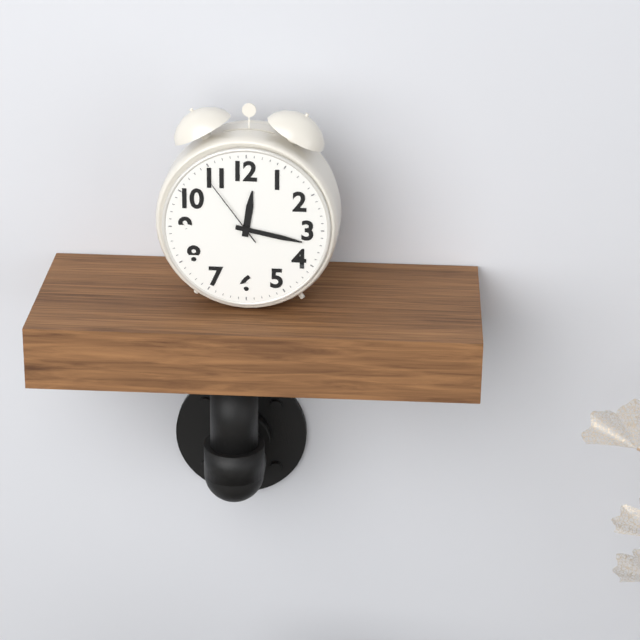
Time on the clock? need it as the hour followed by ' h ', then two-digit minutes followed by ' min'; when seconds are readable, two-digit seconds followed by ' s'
12 h 17 min 54 s
